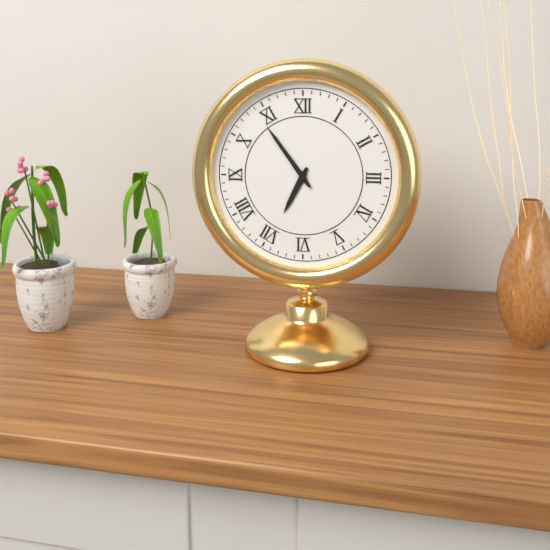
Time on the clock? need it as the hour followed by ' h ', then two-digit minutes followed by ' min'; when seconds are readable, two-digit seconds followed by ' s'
6 h 54 min
